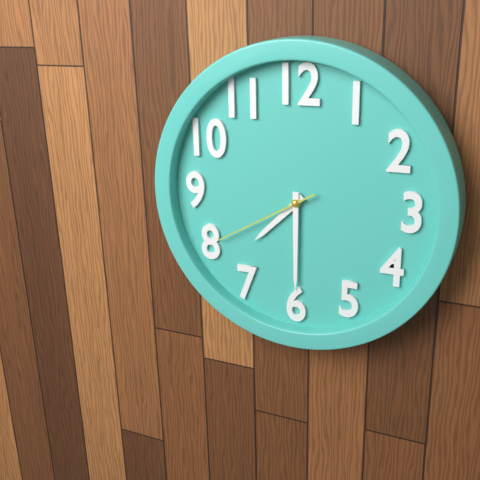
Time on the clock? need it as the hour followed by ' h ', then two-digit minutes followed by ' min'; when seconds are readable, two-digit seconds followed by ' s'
7 h 30 min 40 s
